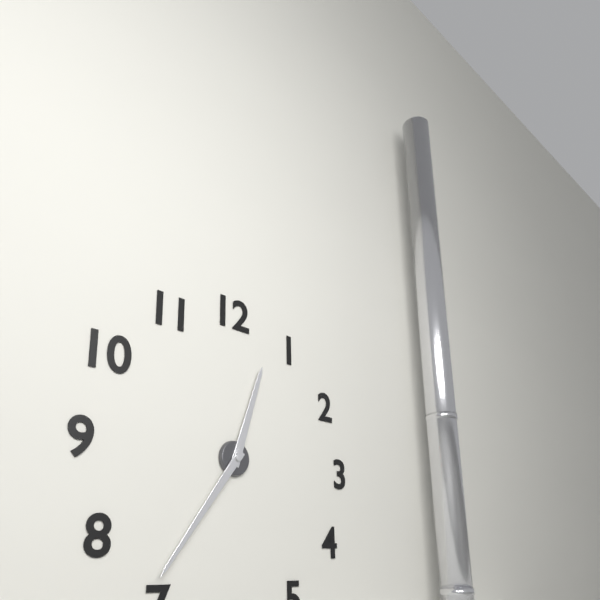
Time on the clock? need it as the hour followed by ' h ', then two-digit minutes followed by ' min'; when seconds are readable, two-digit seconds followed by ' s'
12 h 36 min
